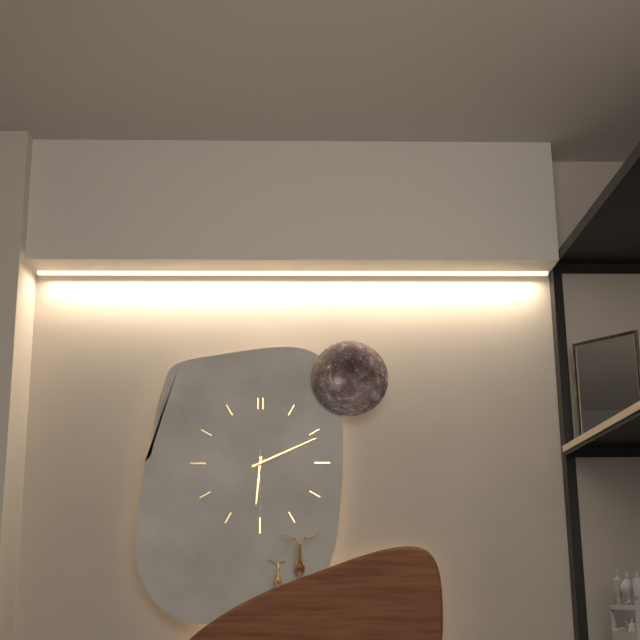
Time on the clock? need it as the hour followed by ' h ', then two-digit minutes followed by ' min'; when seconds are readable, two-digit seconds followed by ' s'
6 h 11 min 30 s
